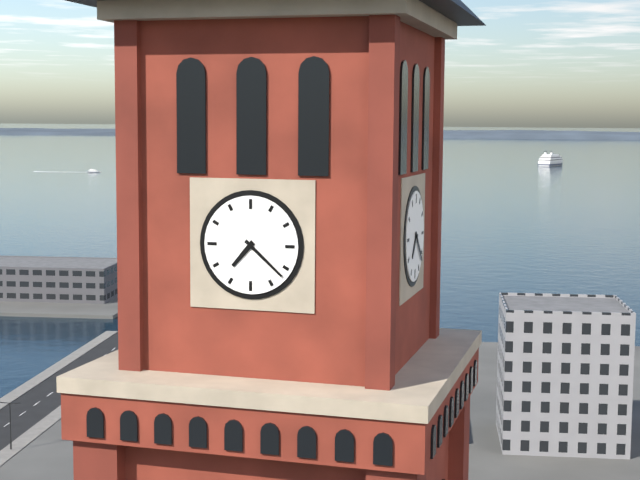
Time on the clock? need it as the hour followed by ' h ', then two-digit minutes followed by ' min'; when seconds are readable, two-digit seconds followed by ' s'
7 h 22 min
